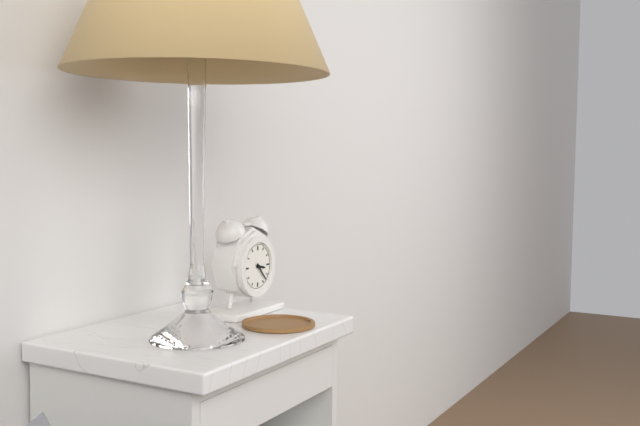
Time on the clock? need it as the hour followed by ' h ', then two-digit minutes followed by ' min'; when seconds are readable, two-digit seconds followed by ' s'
3 h 23 min
